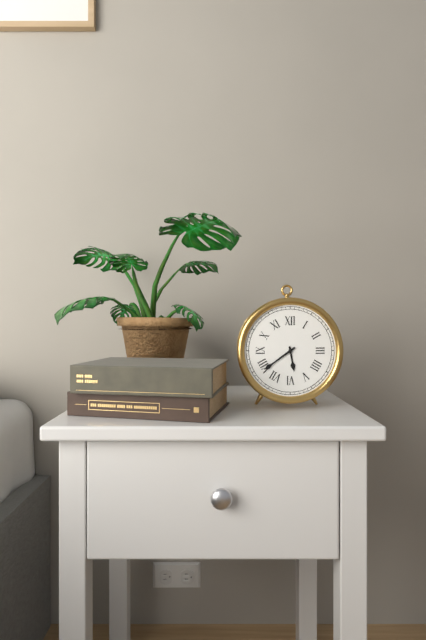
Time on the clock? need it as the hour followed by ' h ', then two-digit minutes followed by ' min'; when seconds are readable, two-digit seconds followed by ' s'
5 h 39 min
